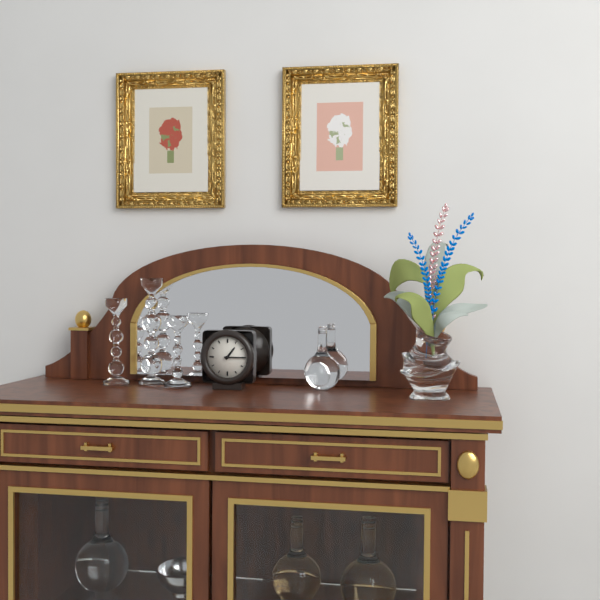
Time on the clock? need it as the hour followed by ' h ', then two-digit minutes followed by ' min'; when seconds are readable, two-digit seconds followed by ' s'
1 h 15 min
